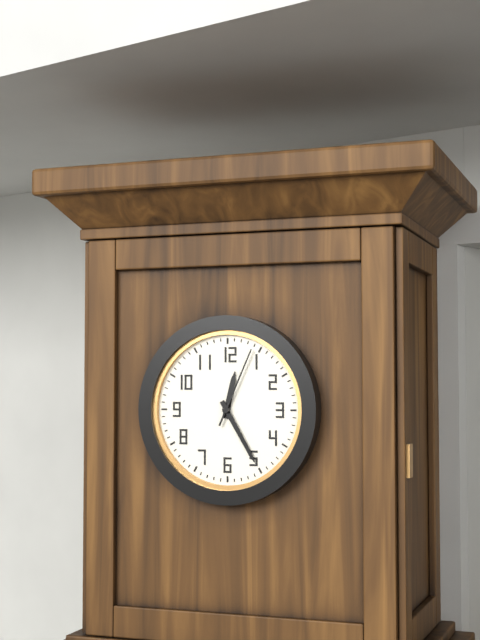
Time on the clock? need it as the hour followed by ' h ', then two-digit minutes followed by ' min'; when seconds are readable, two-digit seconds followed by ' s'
12 h 25 min 04 s
